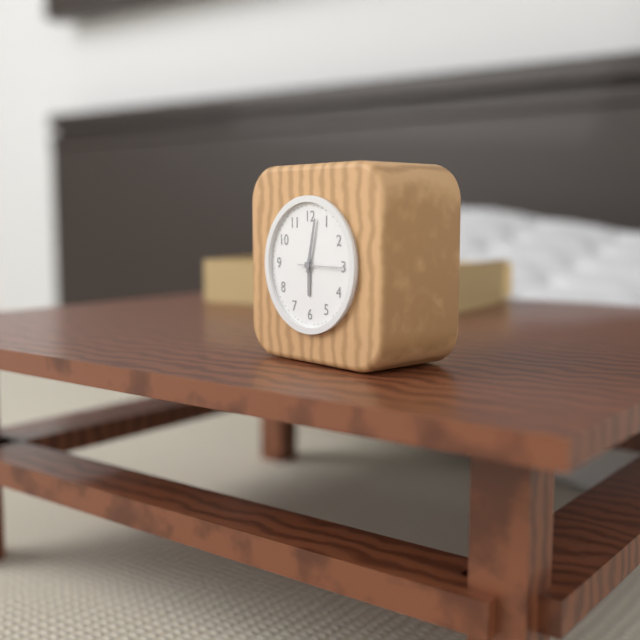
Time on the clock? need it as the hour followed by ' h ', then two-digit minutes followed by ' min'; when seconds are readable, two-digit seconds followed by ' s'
6 h 02 min
